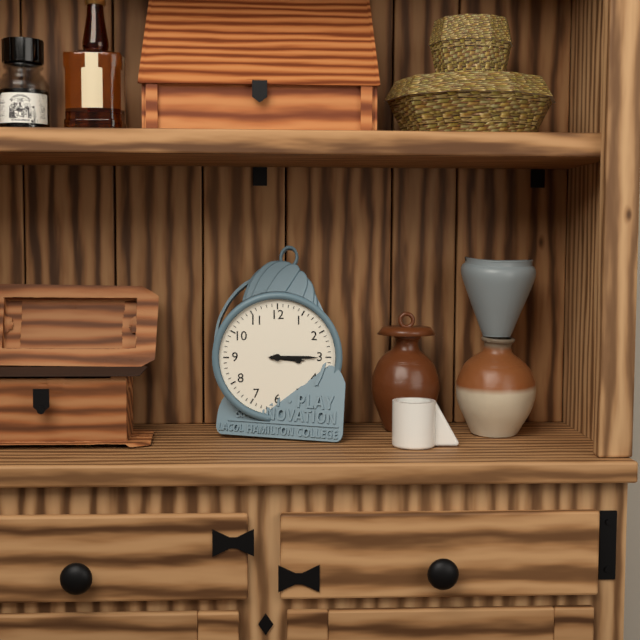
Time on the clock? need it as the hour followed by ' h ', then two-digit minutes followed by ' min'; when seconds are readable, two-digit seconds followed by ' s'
3 h 15 min
